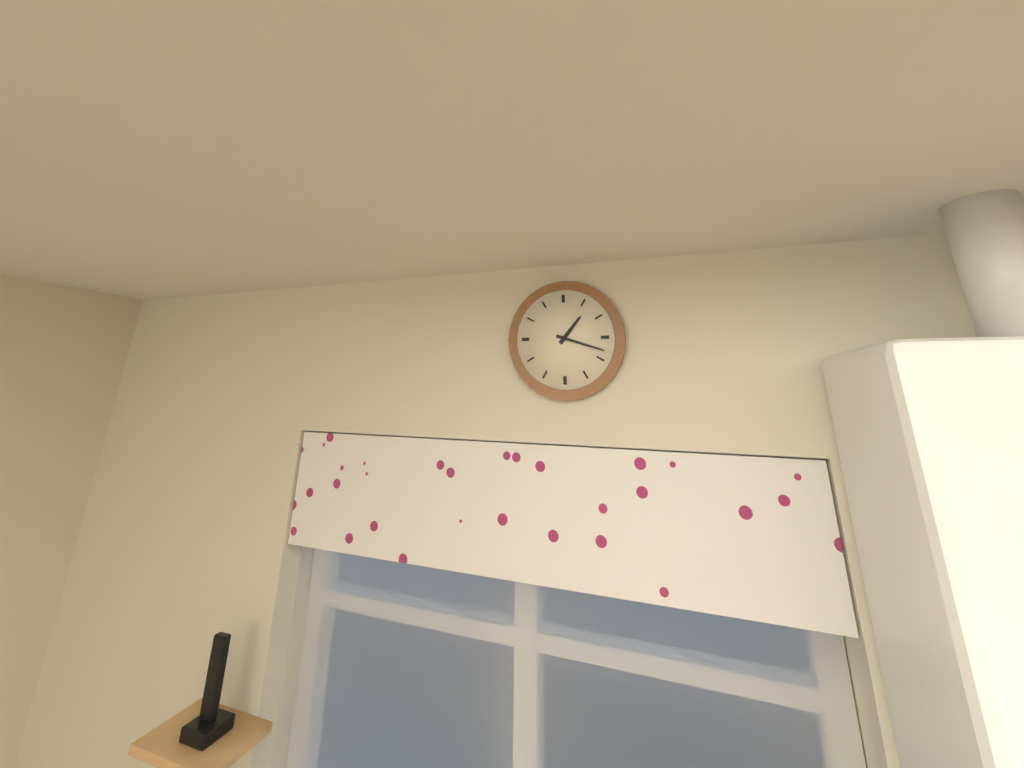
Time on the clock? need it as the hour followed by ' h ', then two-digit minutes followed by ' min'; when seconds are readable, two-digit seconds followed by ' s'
1 h 18 min
